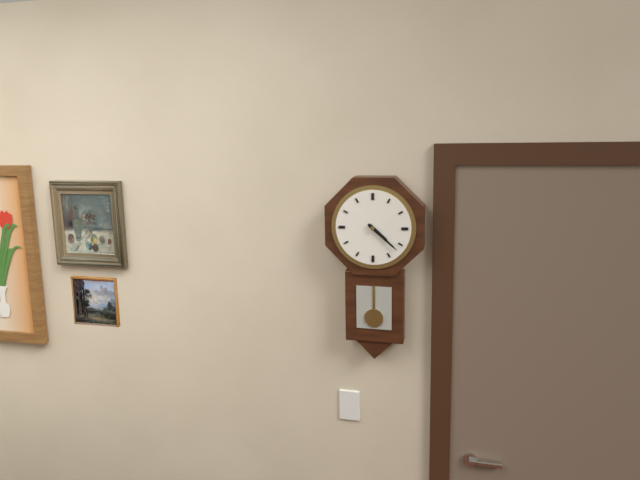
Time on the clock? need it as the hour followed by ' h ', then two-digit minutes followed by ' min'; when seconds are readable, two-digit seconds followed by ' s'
4 h 22 min
